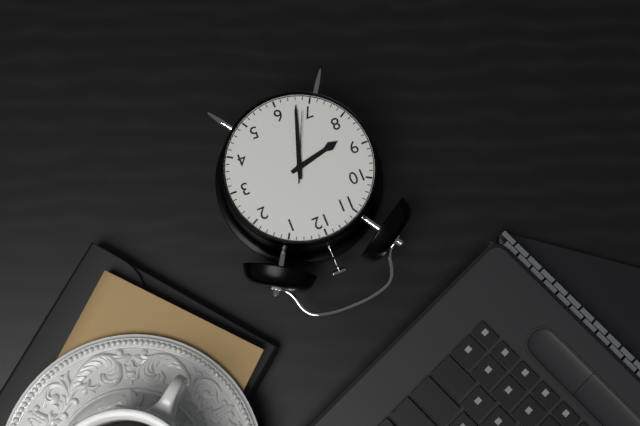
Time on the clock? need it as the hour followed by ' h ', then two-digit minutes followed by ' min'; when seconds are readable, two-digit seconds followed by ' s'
8 h 33 min 34 s
